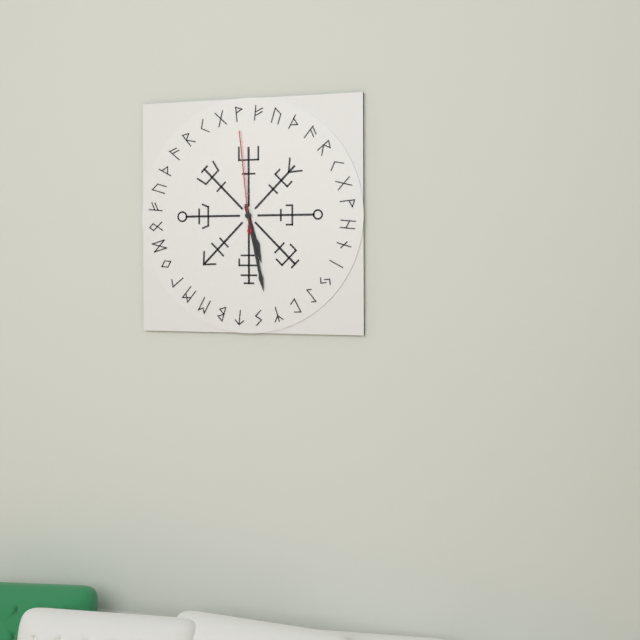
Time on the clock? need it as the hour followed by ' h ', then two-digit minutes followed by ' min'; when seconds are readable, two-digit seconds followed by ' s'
5 h 28 min 59 s
